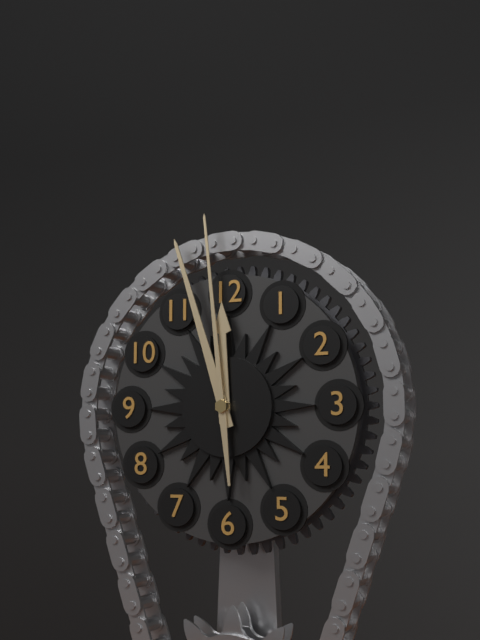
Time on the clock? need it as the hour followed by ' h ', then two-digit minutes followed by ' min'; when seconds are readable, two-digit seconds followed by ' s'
11 h 57 min 59 s
